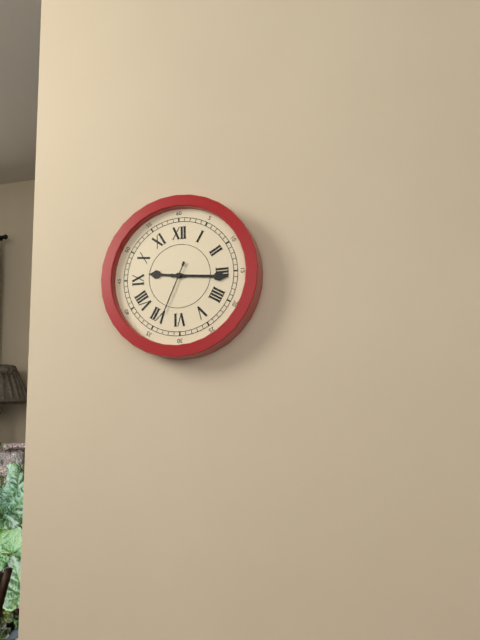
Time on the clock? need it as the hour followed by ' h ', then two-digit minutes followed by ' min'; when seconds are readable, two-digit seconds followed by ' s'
9 h 16 min 34 s
